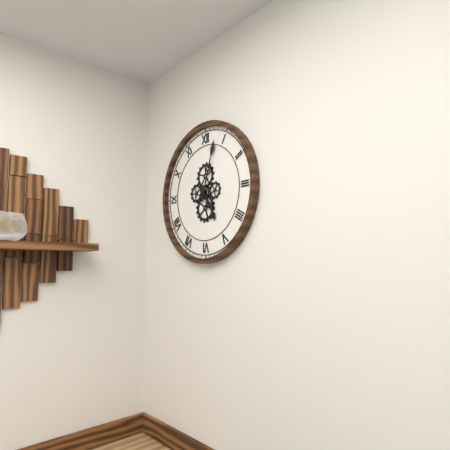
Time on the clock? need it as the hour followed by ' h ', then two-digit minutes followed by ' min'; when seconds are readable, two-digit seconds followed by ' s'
5 h 03 min
